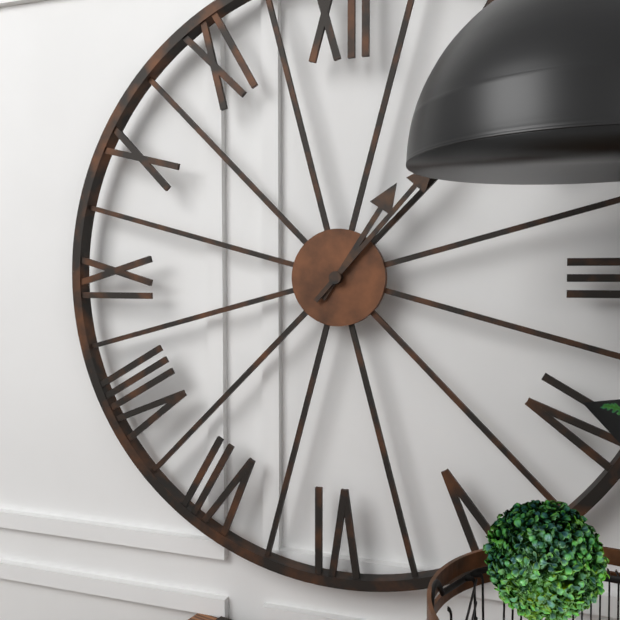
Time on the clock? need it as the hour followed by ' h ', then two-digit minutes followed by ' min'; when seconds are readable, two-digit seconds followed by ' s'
1 h 07 min
